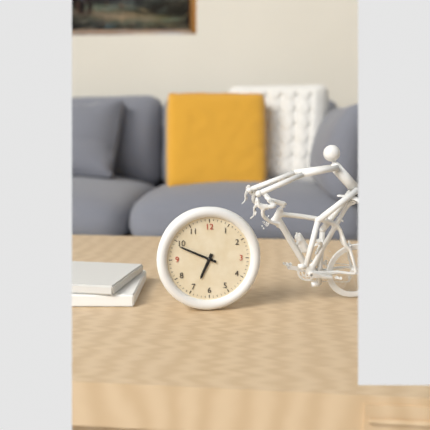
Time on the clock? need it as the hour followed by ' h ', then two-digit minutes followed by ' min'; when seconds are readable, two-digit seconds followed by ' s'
6 h 49 min
